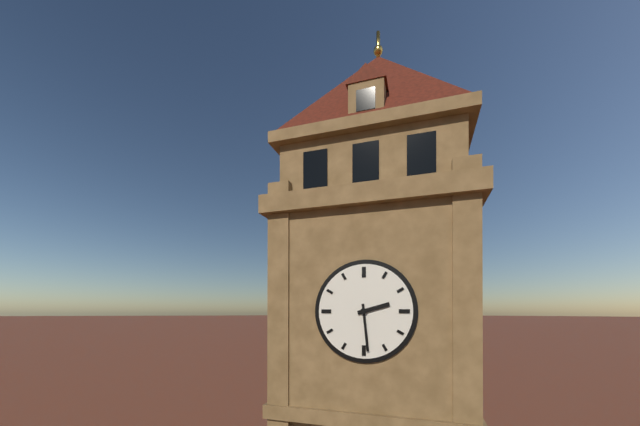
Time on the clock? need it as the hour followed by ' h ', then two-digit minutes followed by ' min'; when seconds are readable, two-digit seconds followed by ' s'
2 h 29 min
